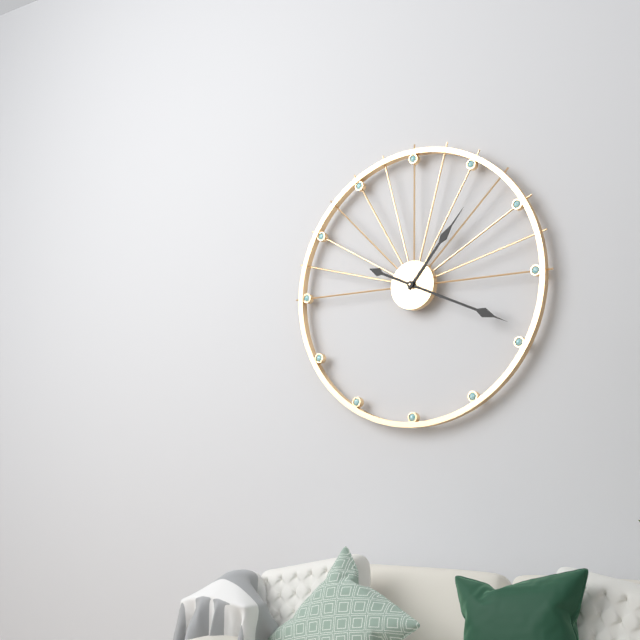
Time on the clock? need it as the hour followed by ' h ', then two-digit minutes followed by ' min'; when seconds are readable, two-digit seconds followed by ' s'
1 h 19 min
